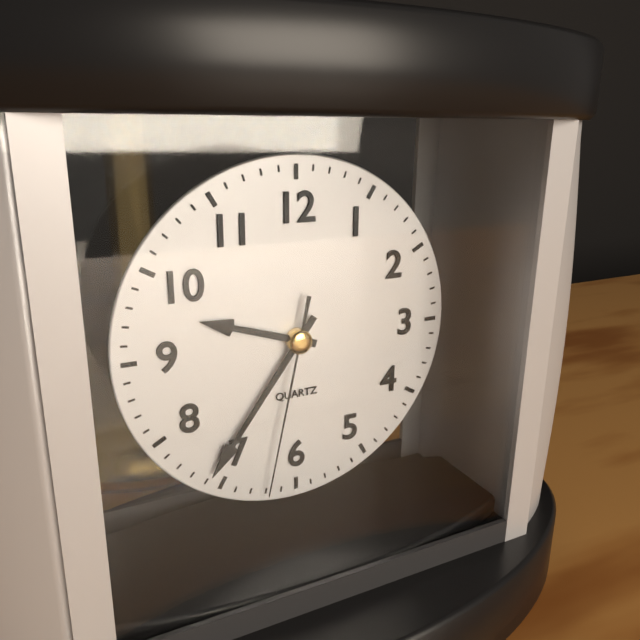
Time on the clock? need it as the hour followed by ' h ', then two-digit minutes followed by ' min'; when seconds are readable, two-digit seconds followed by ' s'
9 h 36 min 32 s
